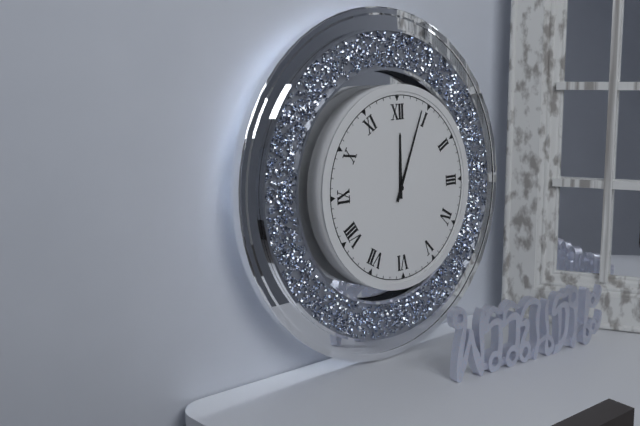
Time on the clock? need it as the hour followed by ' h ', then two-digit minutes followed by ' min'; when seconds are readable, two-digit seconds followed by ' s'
12 h 04 min
